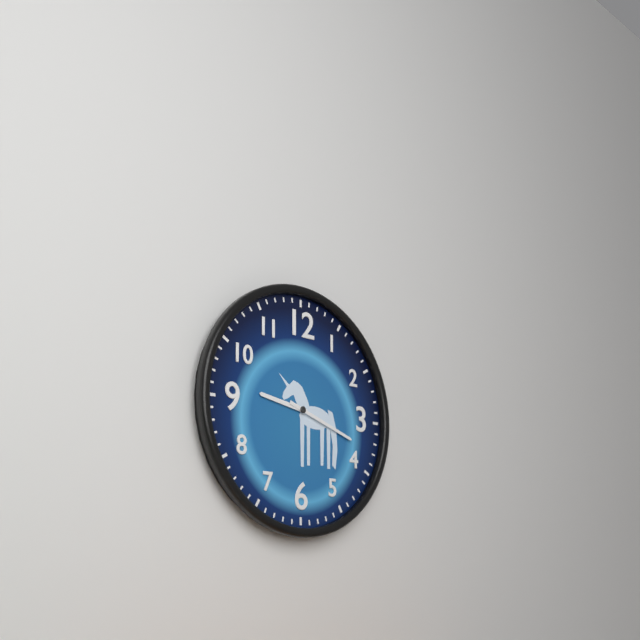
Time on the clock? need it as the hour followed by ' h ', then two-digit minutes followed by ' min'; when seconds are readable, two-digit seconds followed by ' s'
9 h 18 min
